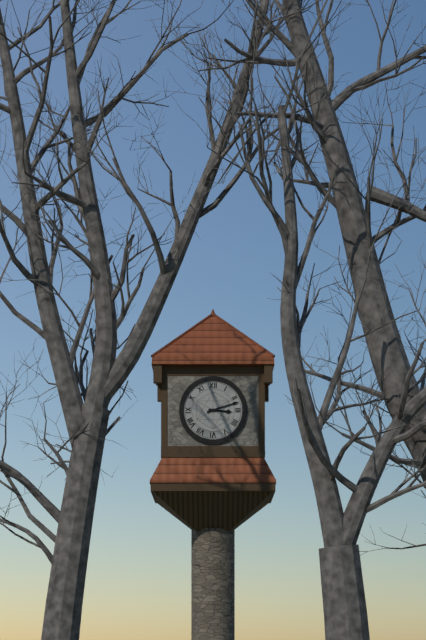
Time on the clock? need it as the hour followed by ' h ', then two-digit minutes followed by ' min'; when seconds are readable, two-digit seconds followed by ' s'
3 h 12 min
